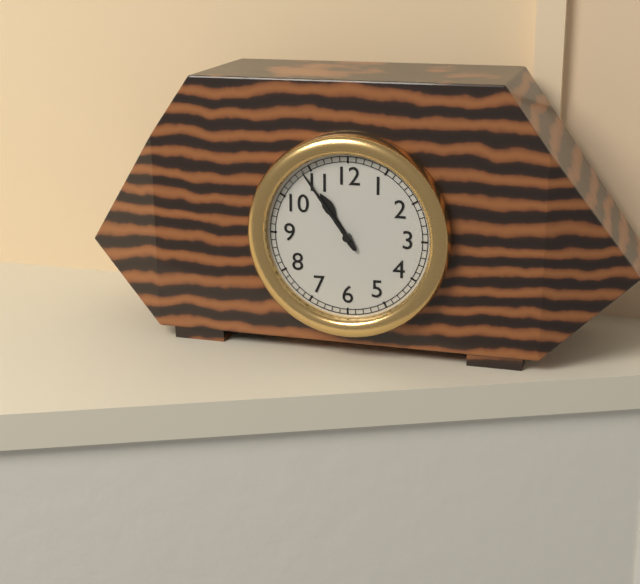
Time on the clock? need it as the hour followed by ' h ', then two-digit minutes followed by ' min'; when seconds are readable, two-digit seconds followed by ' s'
10 h 54 min
